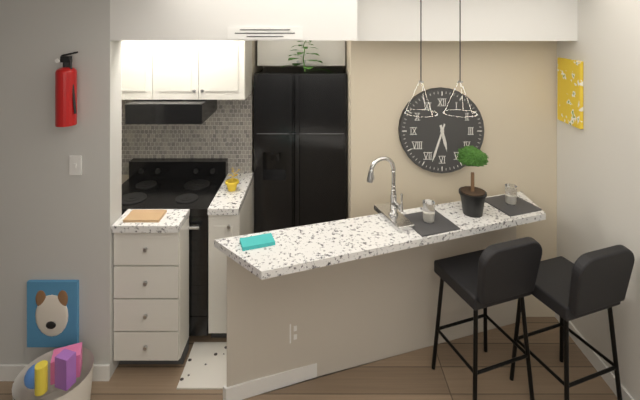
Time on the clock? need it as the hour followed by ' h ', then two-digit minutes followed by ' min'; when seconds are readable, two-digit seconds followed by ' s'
5 h 33 min
